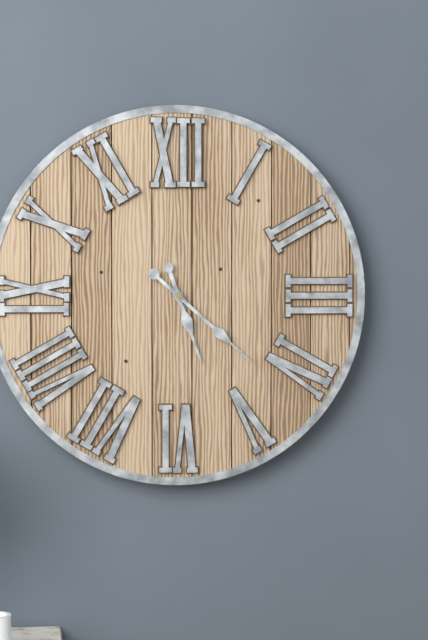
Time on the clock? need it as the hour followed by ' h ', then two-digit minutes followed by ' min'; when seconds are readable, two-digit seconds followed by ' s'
5 h 22 min
